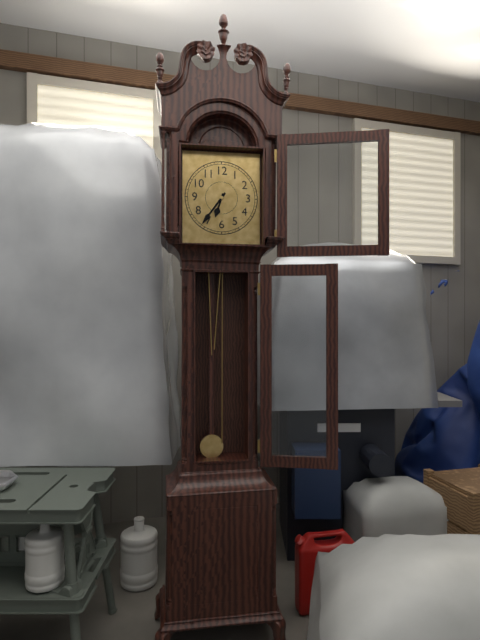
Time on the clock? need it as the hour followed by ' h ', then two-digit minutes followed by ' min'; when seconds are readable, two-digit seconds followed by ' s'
6 h 36 min
